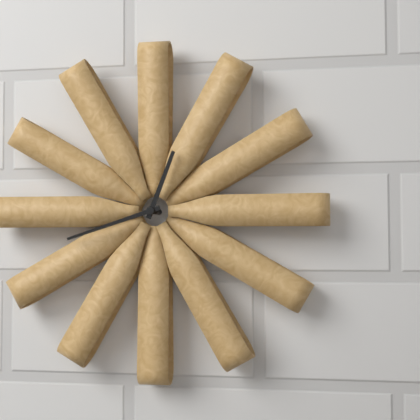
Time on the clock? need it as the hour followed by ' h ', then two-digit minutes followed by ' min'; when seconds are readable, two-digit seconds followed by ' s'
12 h 42 min
